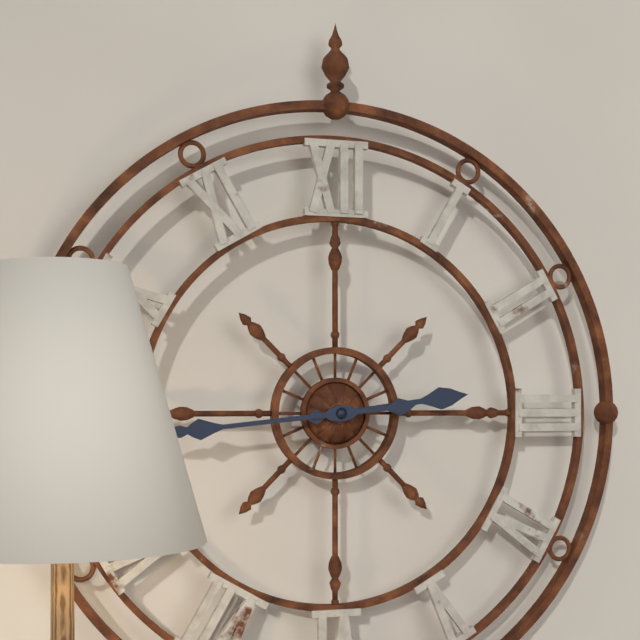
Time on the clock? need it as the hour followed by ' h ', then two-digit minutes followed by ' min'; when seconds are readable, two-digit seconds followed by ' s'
2 h 44 min
